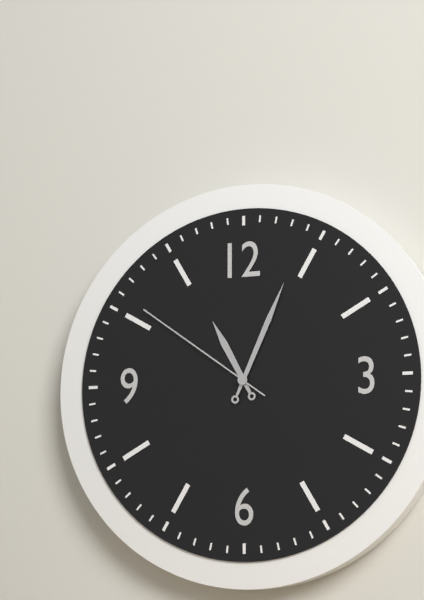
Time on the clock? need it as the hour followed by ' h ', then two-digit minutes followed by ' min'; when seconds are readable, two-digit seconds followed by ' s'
11 h 04 min 51 s
